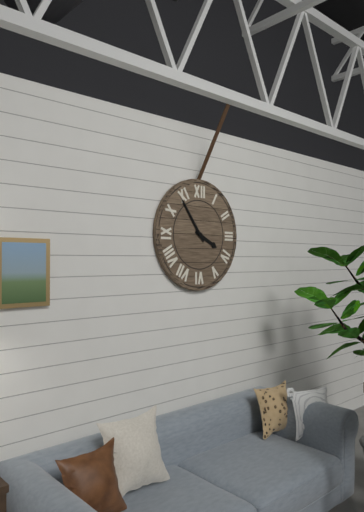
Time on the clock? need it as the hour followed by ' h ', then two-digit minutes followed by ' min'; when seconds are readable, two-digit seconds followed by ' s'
3 h 54 min
